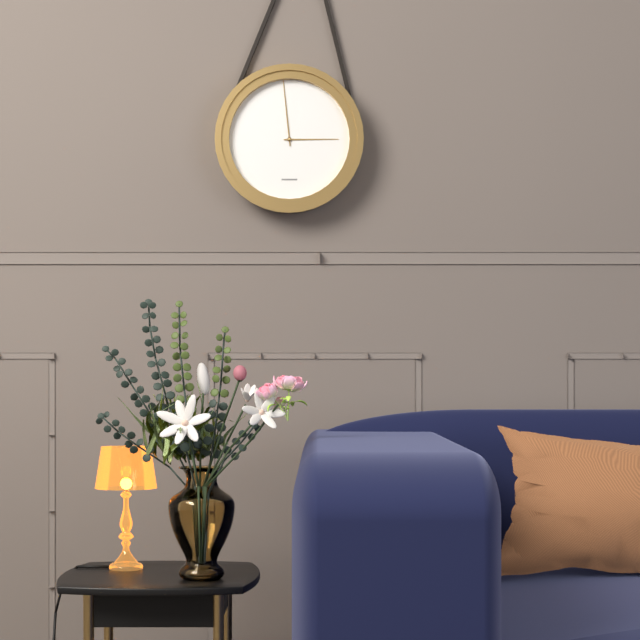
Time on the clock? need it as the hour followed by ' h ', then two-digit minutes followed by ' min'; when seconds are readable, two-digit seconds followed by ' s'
2 h 59 min
